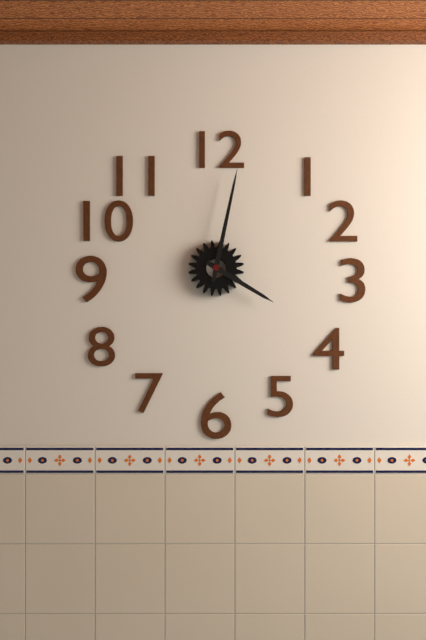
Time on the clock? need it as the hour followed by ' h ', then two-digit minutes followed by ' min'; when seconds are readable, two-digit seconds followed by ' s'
4 h 02 min
